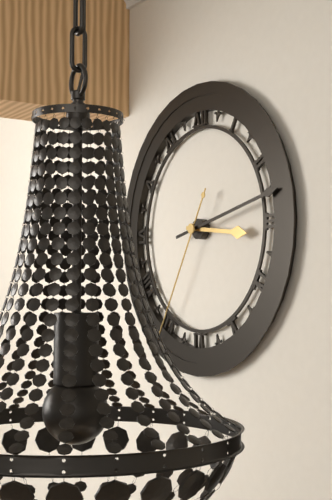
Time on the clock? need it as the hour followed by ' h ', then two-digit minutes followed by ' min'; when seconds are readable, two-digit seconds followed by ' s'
3 h 13 min 35 s
